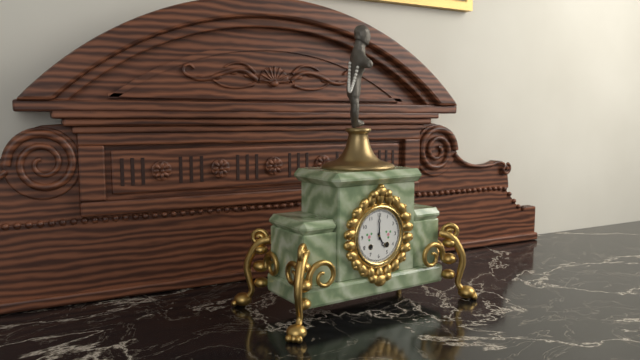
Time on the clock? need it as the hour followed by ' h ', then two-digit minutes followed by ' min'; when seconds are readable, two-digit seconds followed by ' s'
5 h 00 min
